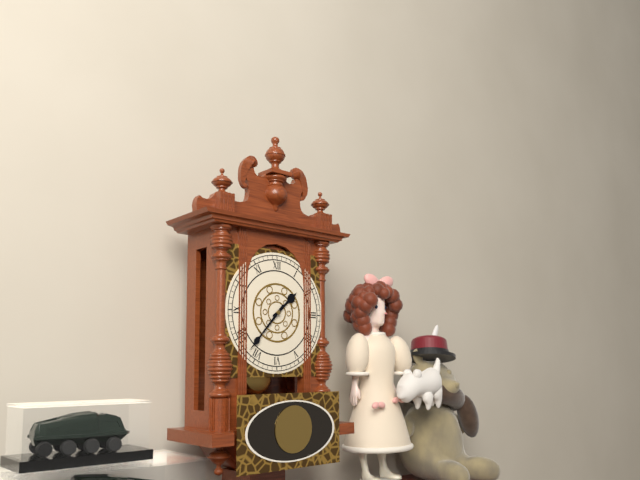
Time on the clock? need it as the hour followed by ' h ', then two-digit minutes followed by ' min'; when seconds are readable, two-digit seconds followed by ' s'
1 h 37 min
